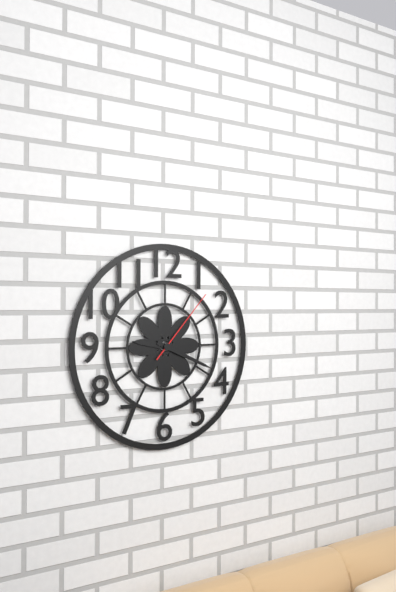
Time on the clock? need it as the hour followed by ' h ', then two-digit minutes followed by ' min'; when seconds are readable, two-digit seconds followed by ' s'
9 h 19 min 07 s
